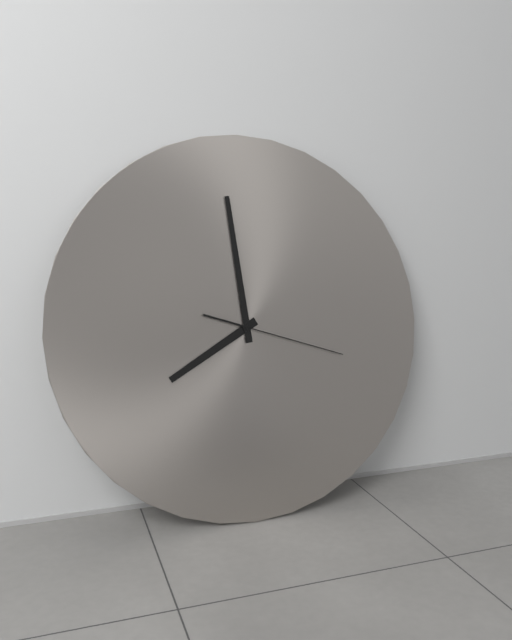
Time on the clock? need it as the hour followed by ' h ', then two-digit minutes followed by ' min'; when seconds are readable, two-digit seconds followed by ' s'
7 h 59 min 18 s
